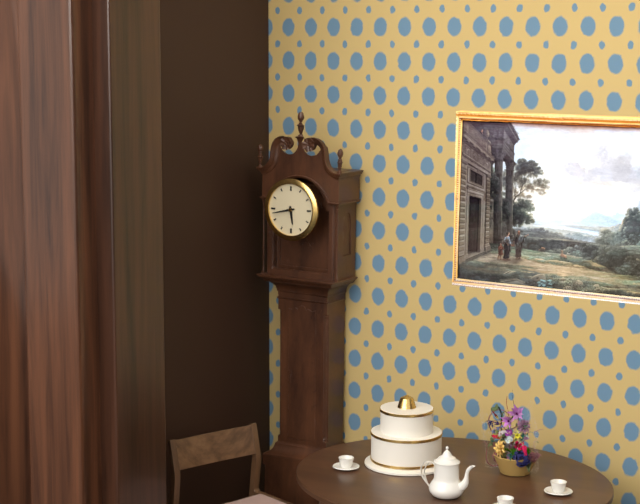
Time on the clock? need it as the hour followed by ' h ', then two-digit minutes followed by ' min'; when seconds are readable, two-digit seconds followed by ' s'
5 h 43 min
